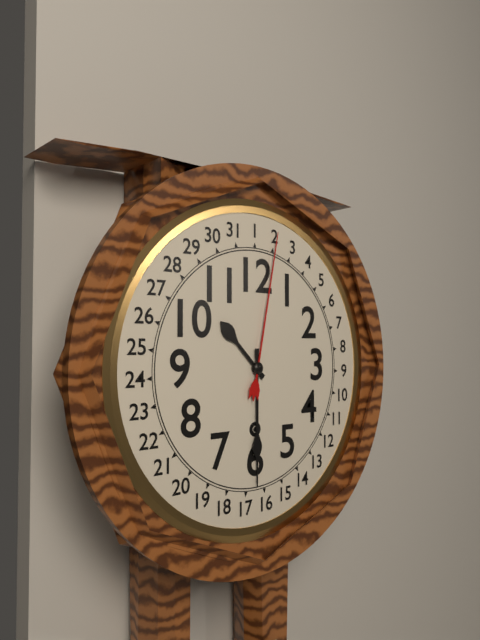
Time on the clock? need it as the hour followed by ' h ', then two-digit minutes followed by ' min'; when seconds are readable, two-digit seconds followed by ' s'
10 h 30 min
